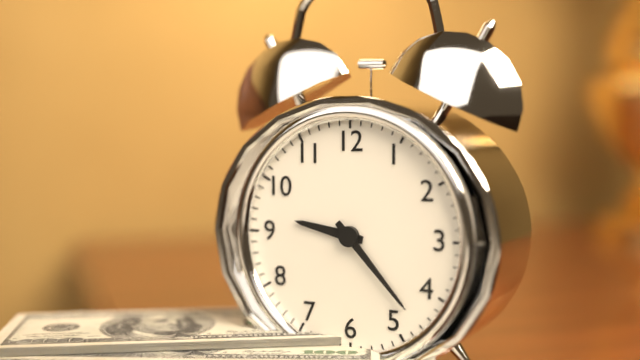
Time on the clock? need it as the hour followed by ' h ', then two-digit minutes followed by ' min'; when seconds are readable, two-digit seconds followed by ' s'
9 h 23 min
